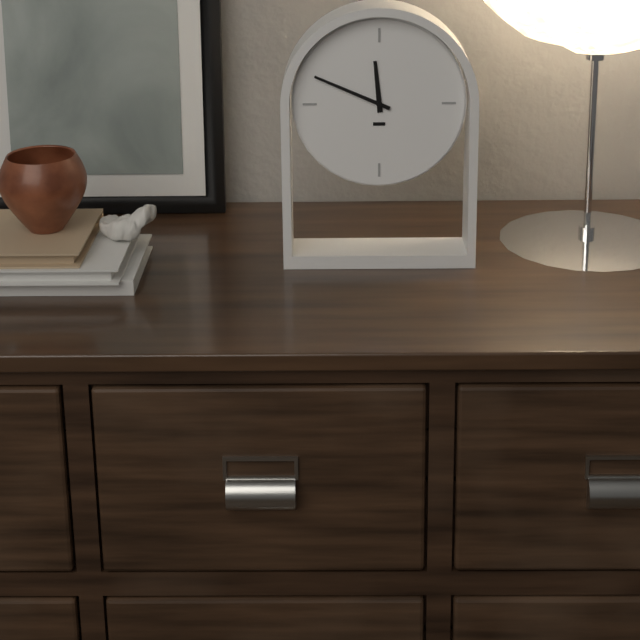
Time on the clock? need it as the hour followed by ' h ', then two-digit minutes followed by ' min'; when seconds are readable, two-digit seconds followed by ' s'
11 h 49 min
